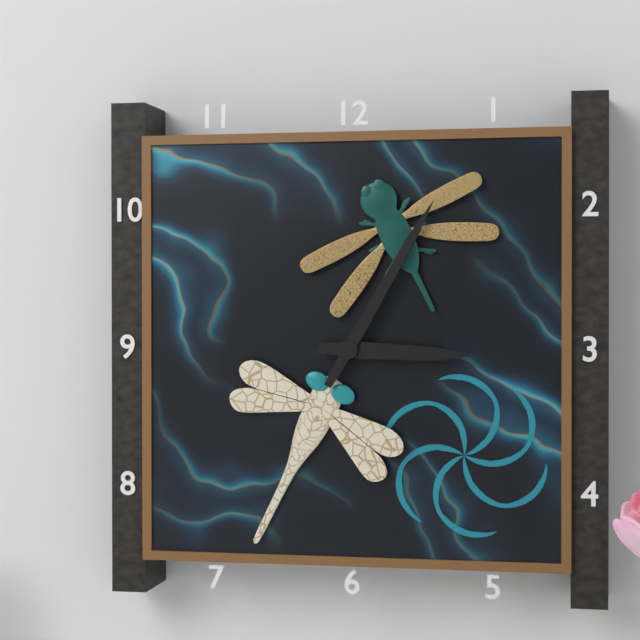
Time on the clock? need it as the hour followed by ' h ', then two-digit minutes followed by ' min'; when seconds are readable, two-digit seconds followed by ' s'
3 h 05 min
